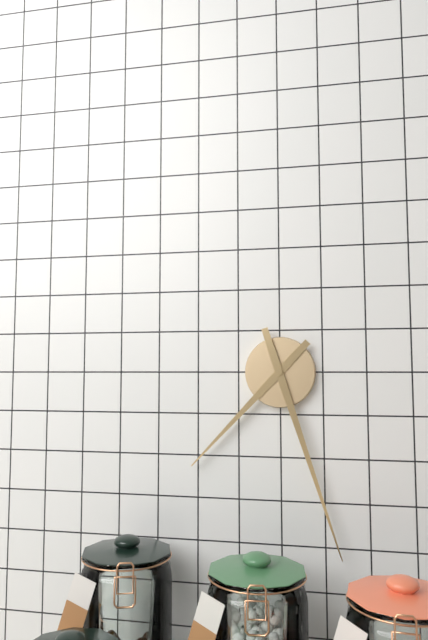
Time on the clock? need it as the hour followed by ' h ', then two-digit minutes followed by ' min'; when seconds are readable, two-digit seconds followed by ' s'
7 h 27 min
